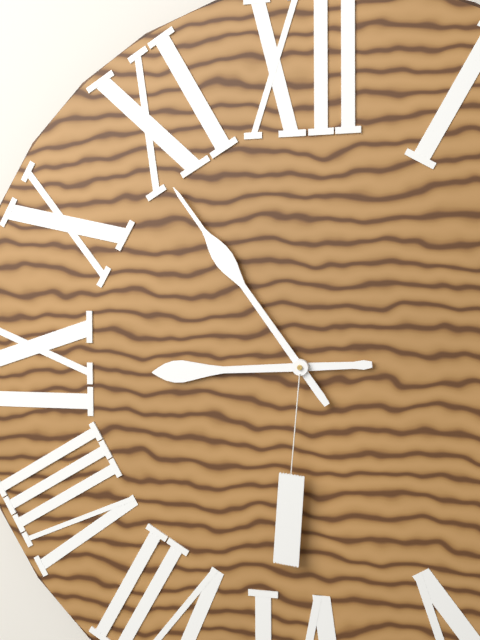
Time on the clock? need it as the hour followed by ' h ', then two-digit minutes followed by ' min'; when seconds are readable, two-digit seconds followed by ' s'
8 h 54 min
